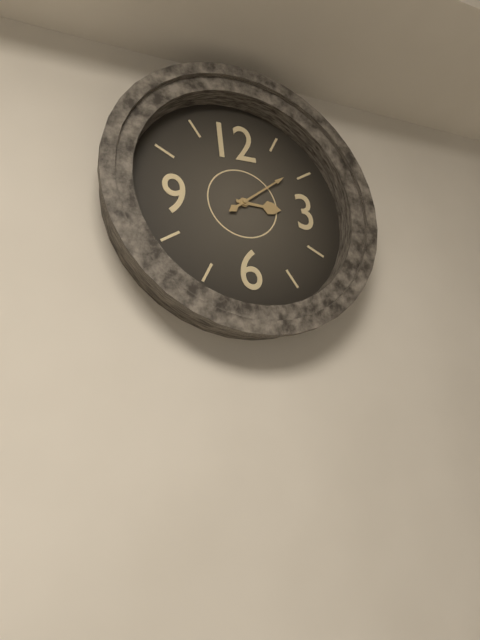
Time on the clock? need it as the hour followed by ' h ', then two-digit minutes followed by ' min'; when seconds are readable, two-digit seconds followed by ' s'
3 h 09 min
